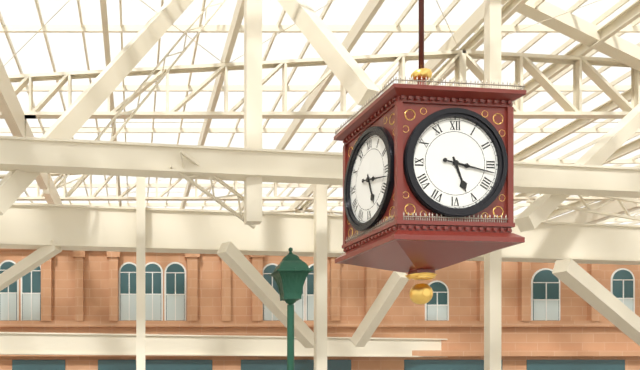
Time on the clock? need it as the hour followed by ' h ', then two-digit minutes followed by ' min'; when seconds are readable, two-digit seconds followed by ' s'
5 h 17 min
